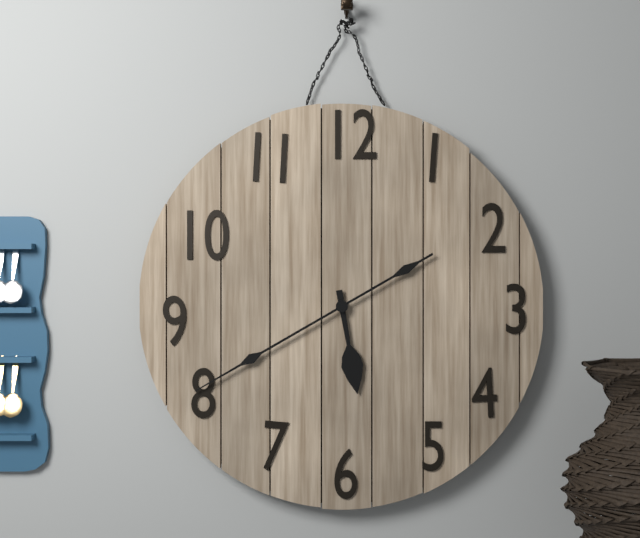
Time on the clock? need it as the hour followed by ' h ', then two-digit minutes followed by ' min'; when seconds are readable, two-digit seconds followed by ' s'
5 h 40 min
